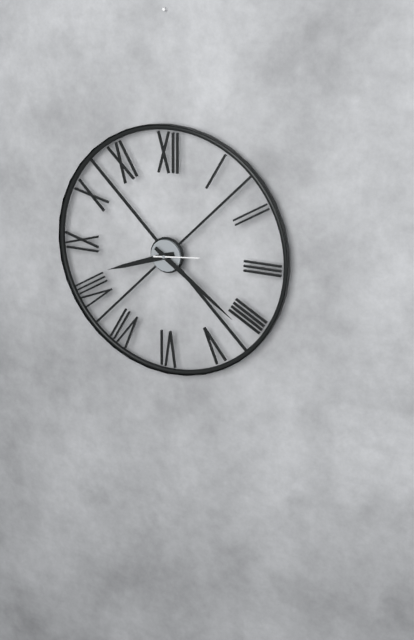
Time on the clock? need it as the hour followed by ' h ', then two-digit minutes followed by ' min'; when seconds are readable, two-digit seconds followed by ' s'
8 h 21 min
